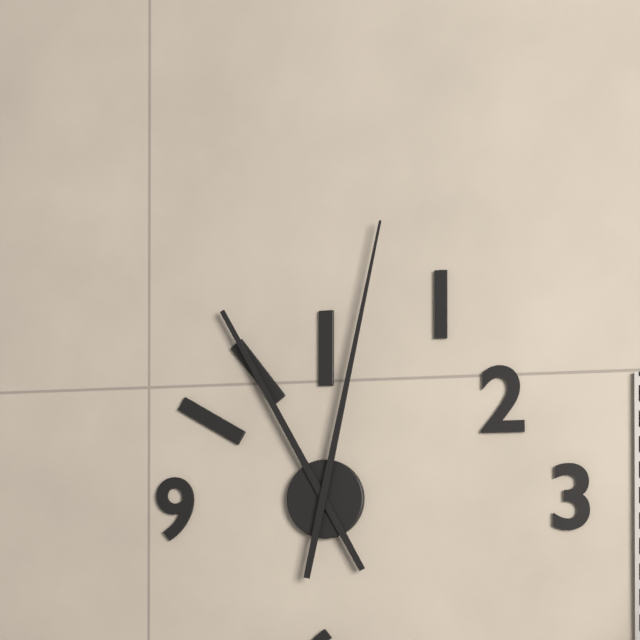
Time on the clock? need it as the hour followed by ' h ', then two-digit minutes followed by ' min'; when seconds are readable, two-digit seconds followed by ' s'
11 h 02 min
